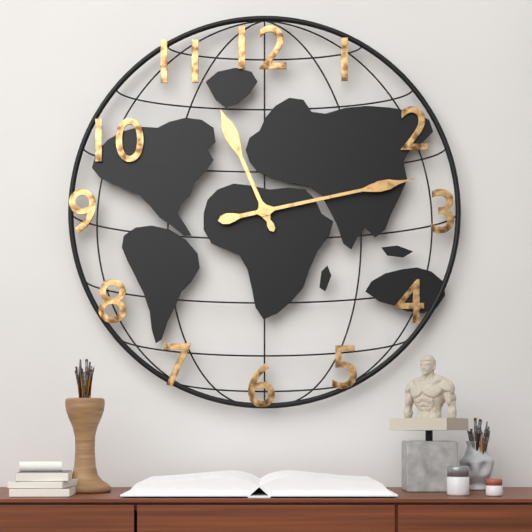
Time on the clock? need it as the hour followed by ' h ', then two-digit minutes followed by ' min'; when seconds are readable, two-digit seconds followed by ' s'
11 h 13 min
